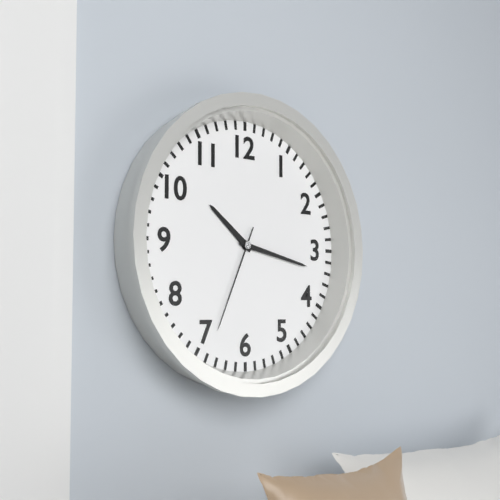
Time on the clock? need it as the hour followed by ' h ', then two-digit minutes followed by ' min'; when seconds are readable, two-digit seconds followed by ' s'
10 h 17 min 34 s
